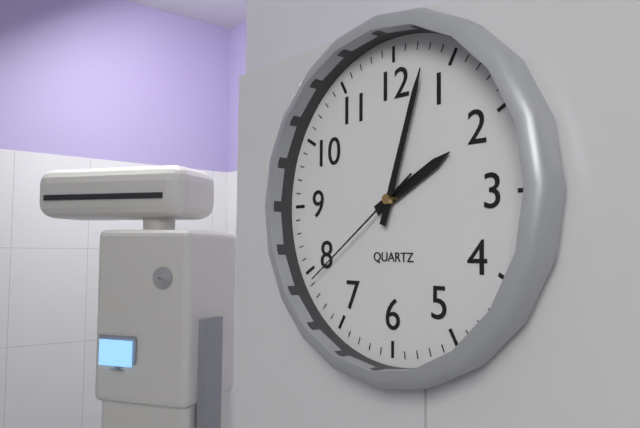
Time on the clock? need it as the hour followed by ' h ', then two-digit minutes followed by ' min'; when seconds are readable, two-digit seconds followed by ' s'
2 h 03 min 39 s
